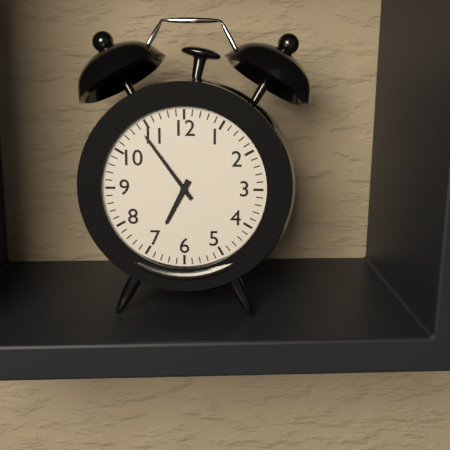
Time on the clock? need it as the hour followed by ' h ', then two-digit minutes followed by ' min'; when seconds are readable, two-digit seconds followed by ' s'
6 h 54 min
